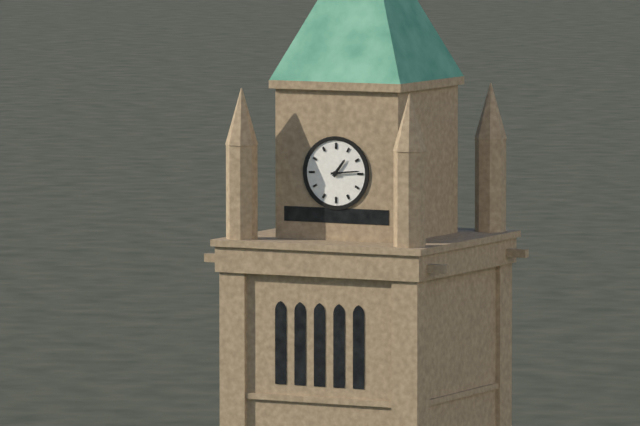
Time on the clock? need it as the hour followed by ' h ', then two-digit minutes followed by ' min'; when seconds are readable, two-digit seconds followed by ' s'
1 h 14 min
